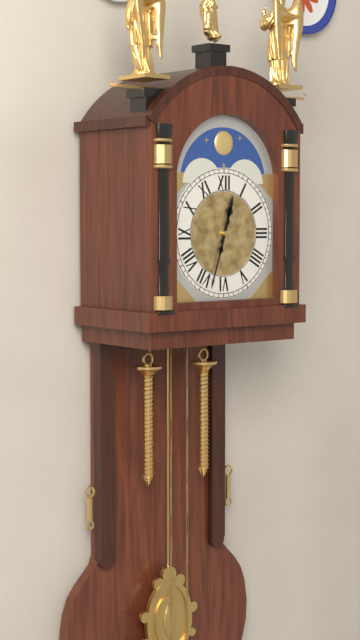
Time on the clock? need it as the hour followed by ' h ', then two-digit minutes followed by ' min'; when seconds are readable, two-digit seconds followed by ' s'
12 h 33 min
